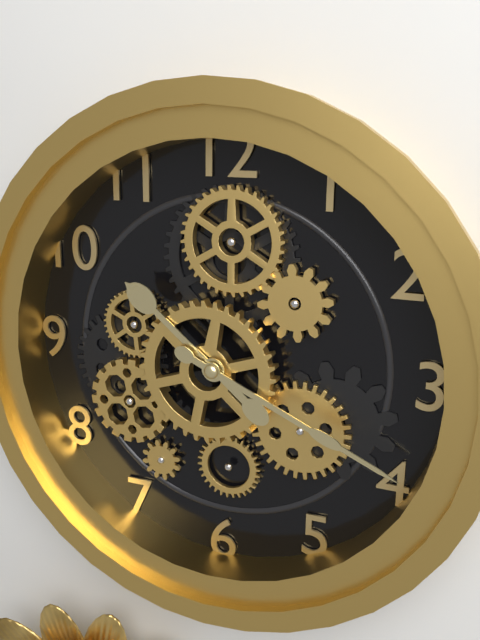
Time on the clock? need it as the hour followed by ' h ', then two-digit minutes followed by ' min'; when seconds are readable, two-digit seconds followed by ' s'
10 h 19 min
